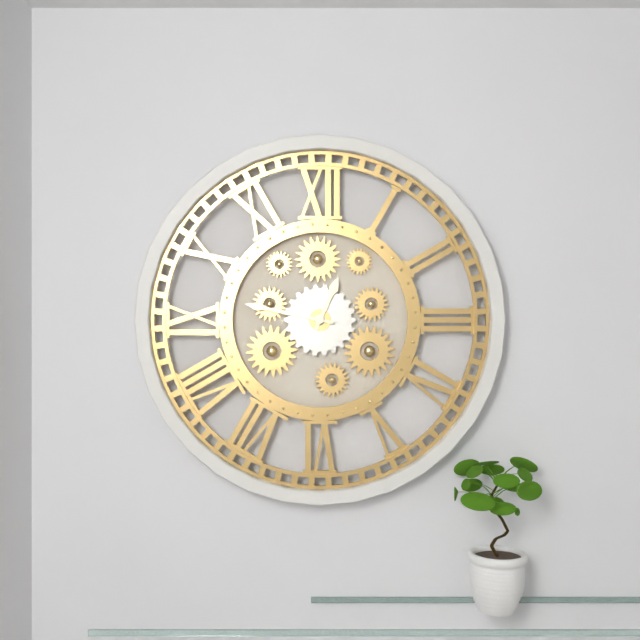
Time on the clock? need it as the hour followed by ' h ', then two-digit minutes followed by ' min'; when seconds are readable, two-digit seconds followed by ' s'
12 h 47 min
